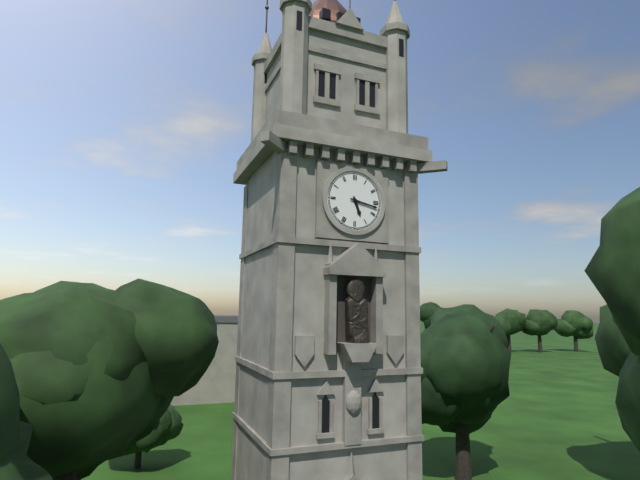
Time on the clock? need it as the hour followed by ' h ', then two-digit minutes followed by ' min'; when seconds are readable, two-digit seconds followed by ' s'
5 h 17 min
